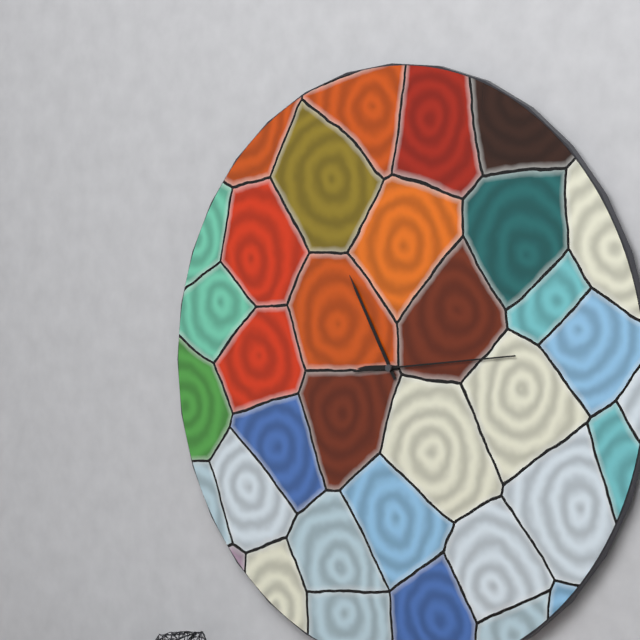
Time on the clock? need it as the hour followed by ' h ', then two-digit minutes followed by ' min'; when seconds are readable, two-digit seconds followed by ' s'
8 h 55 min 14 s
